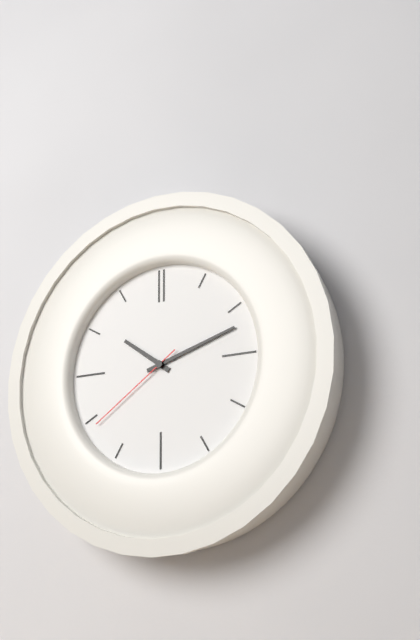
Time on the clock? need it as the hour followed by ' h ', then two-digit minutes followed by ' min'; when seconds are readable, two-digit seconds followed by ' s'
10 h 12 min 39 s
